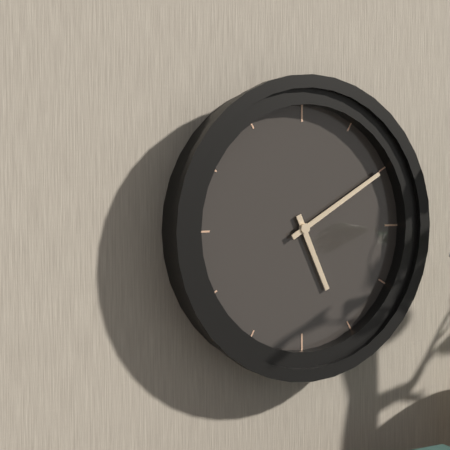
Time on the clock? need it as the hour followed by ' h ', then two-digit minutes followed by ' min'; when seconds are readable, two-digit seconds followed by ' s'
5 h 10 min
